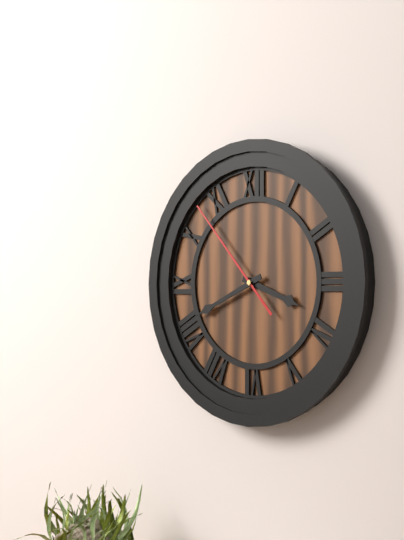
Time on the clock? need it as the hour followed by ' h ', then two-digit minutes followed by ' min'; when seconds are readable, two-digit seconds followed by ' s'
3 h 41 min 53 s
